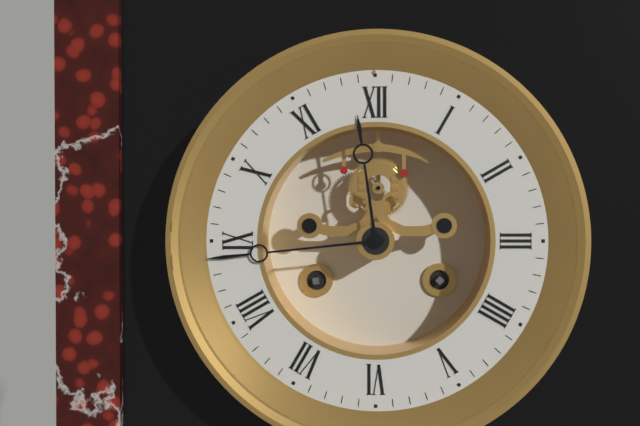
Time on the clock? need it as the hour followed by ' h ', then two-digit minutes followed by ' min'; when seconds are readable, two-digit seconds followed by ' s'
11 h 44 min
